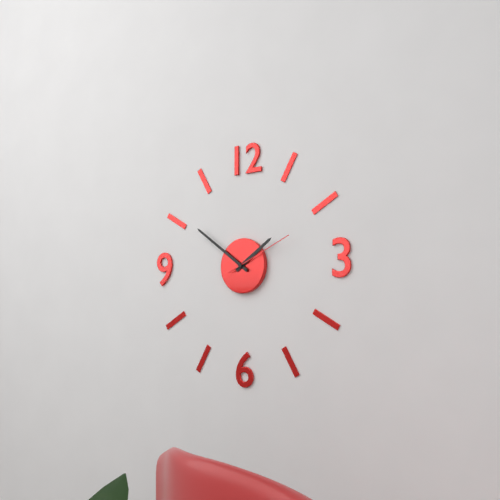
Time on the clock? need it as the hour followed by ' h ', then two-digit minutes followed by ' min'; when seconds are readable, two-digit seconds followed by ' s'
1 h 51 min 11 s
